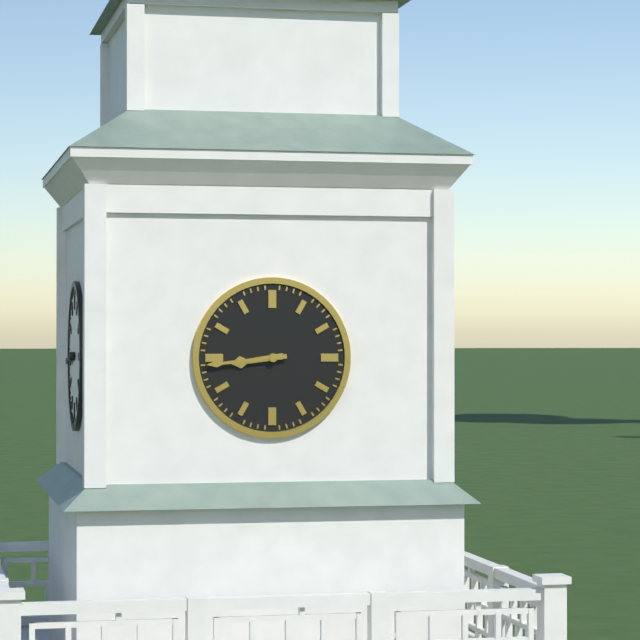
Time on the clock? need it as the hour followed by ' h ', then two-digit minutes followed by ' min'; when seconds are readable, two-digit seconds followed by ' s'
8 h 44 min
